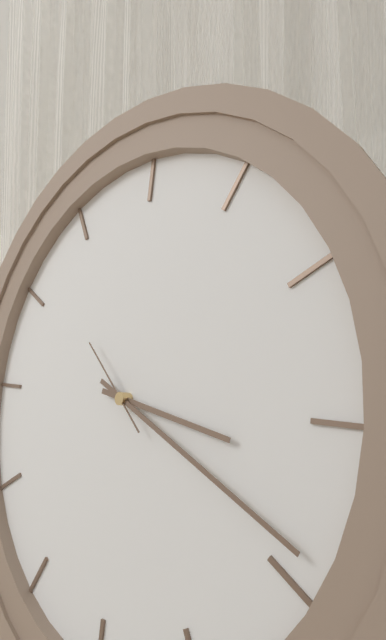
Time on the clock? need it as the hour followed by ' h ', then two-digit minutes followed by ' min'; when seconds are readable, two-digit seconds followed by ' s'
3 h 19 min 52 s
